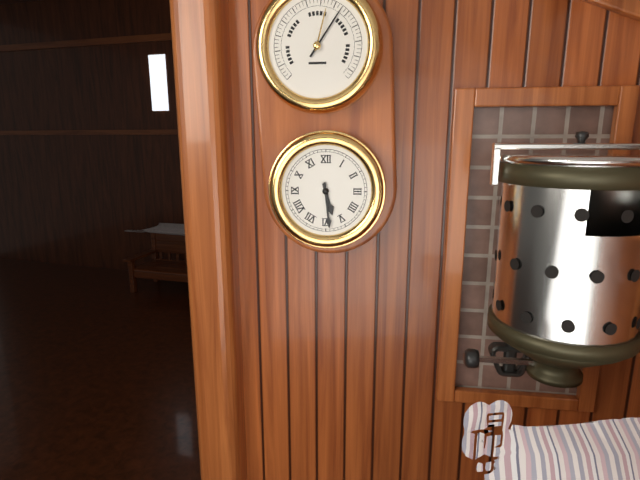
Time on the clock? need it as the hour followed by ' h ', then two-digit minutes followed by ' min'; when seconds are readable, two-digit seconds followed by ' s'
5 h 29 min
